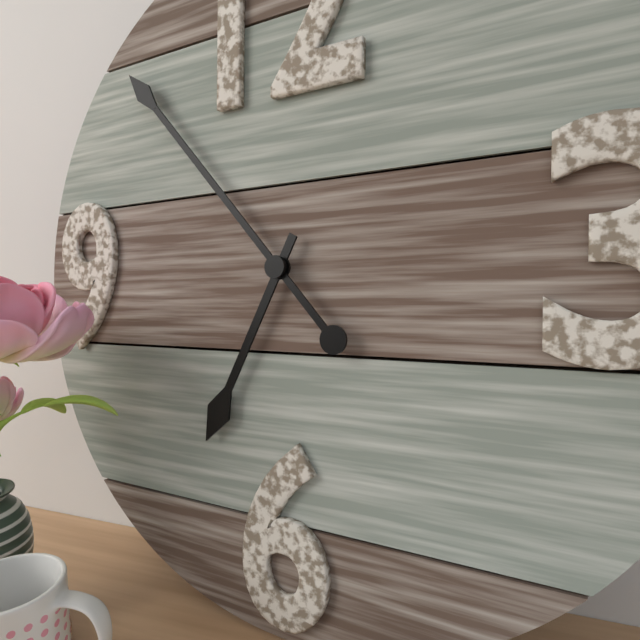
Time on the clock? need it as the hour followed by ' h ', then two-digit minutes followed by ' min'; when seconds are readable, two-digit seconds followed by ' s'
6 h 53 min
